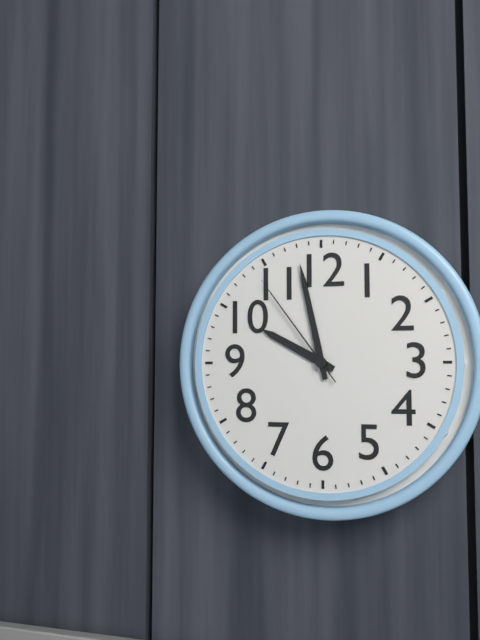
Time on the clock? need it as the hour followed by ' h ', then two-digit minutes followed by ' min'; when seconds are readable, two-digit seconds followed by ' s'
9 h 58 min 54 s
